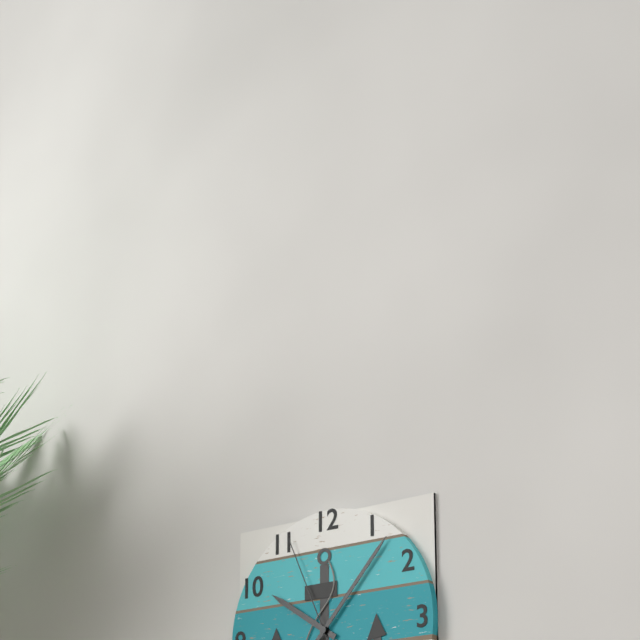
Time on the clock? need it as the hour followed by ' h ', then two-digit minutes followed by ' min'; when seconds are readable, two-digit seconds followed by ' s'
10 h 07 min 56 s
